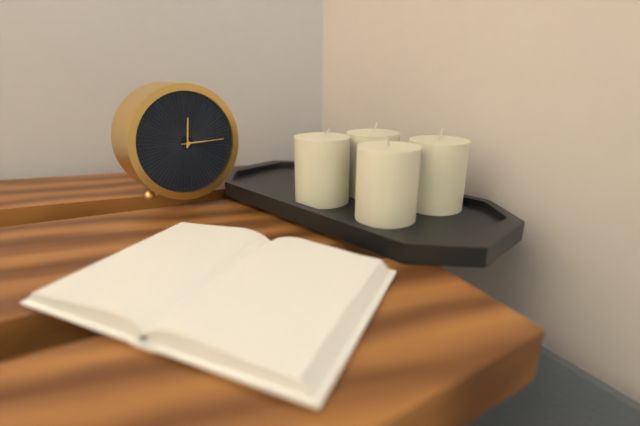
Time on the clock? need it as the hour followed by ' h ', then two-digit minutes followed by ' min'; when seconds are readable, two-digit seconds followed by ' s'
12 h 15 min
